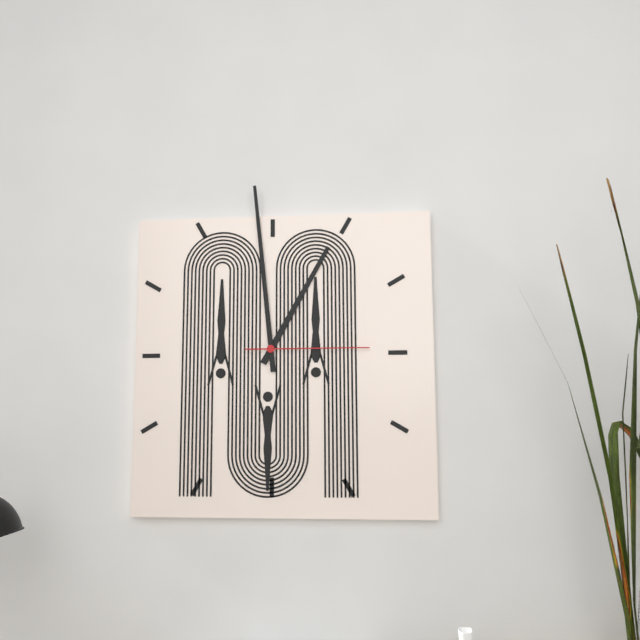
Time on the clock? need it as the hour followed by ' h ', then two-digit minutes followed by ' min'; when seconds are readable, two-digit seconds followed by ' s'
12 h 59 min 15 s
